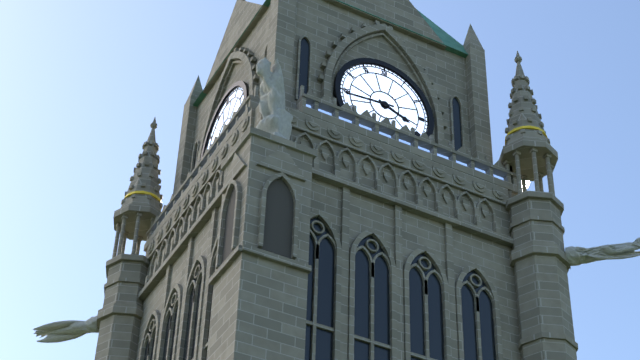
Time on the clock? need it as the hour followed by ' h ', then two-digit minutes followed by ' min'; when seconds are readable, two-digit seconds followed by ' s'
3 h 44 min
